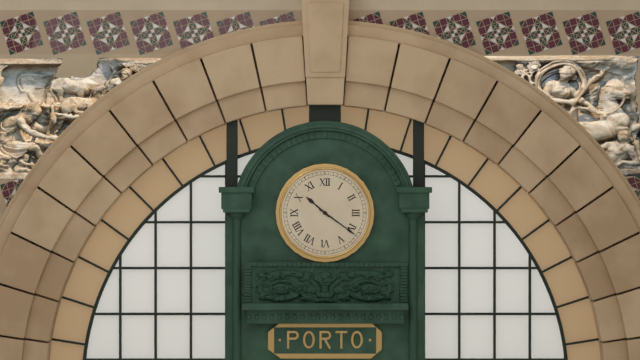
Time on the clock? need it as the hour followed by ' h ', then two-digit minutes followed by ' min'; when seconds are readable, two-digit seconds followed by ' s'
10 h 21 min
